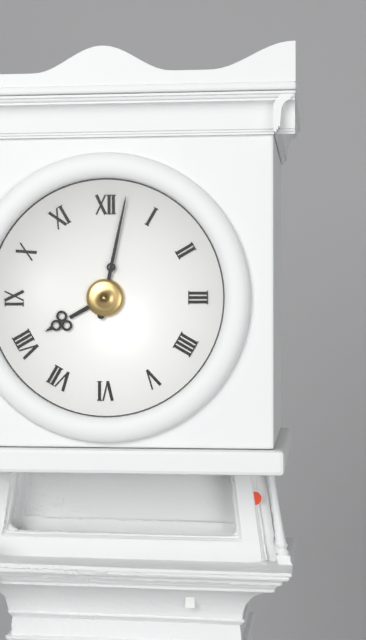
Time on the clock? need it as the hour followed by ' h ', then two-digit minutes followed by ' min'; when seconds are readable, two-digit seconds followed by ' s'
8 h 02 min
